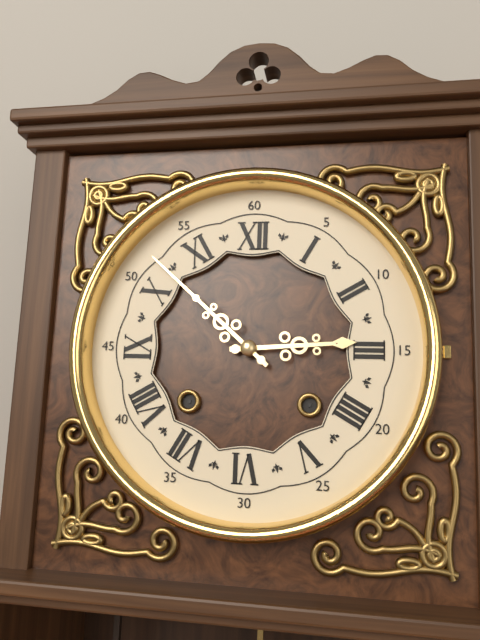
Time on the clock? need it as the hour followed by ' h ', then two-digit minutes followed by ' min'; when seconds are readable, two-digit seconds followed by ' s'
2 h 52 min
